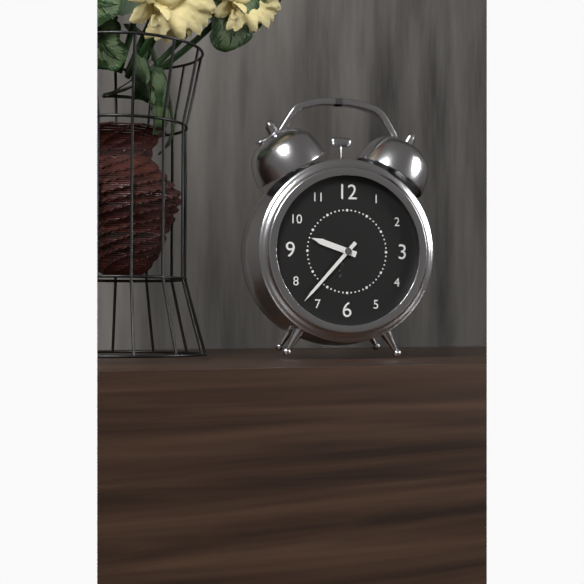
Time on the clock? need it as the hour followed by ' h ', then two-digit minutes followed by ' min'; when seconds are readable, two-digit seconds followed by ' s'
9 h 37 min
